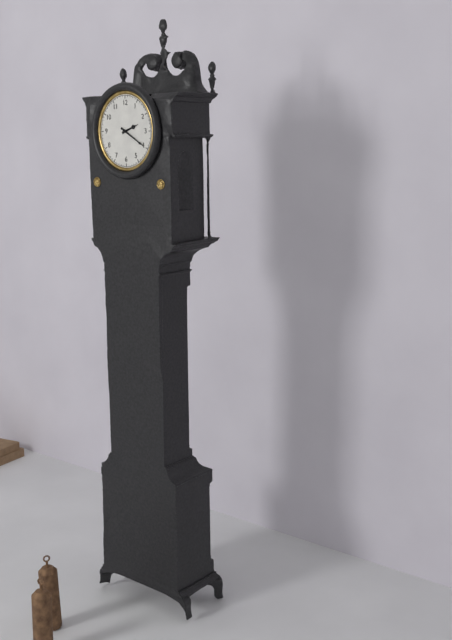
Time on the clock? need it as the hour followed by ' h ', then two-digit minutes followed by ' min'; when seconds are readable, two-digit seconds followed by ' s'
2 h 20 min
